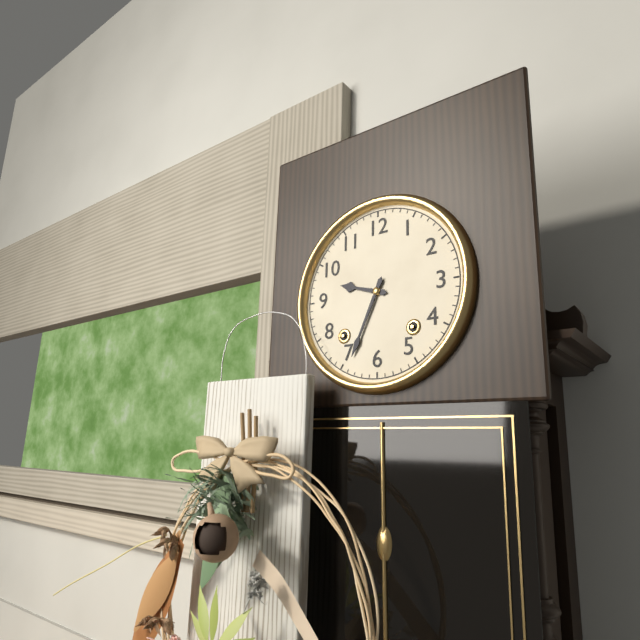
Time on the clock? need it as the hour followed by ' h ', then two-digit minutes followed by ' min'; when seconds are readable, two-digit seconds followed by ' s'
9 h 34 min
